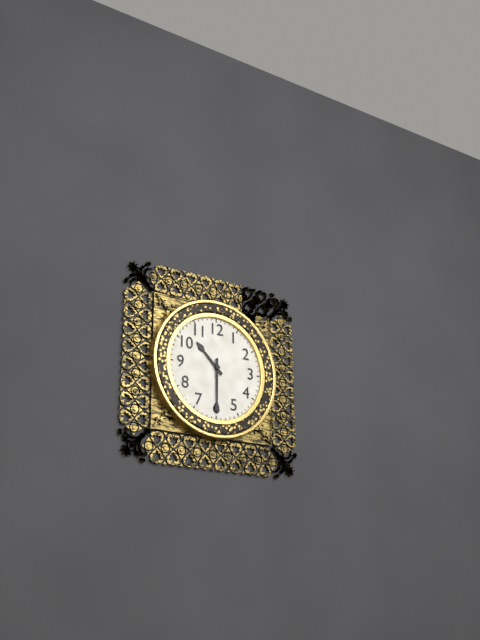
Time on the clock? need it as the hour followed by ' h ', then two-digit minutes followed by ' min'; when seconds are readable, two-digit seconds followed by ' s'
10 h 30 min
